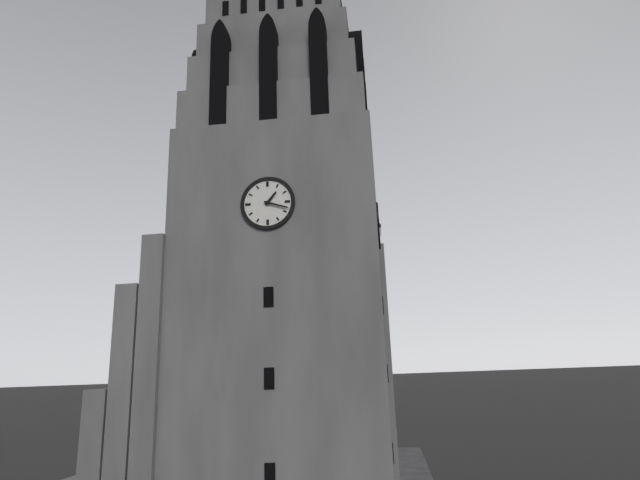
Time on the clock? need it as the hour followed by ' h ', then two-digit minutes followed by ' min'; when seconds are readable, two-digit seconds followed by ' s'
1 h 18 min
